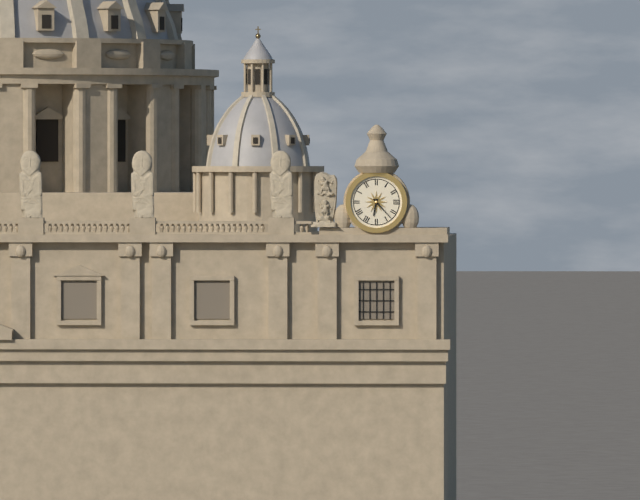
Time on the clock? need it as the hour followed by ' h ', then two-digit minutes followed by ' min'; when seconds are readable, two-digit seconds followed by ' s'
6 h 23 min
